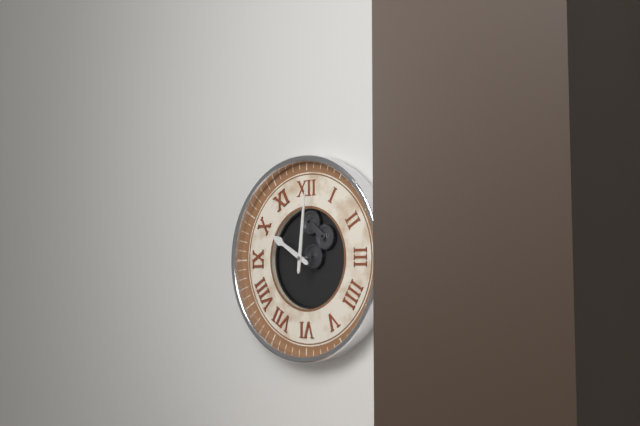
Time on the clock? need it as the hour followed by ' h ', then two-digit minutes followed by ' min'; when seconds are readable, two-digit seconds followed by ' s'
10 h 01 min
